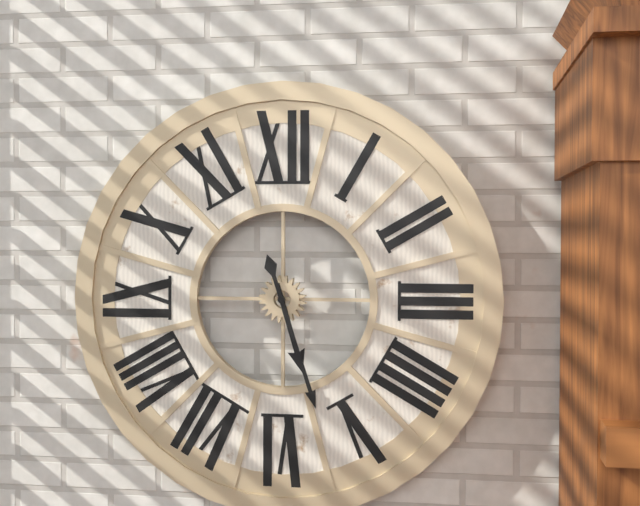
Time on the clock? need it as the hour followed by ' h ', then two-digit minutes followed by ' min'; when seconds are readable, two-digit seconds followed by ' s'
5 h 27 min
